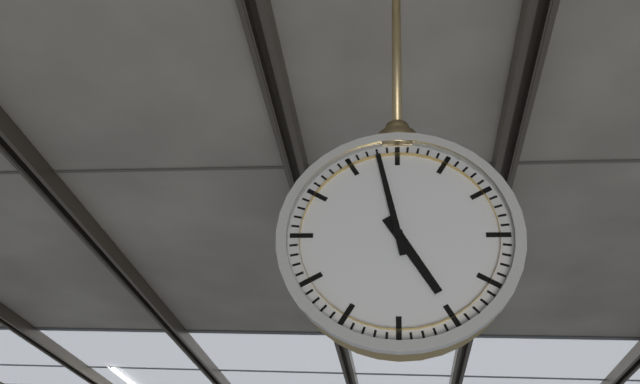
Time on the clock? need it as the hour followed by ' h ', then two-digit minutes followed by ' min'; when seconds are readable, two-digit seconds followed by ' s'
4 h 58 min
